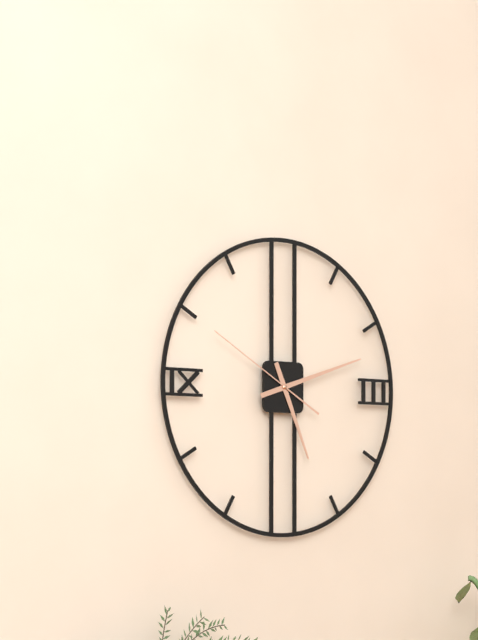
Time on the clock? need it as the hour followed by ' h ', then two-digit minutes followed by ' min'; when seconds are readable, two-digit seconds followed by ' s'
5 h 12 min 50 s
